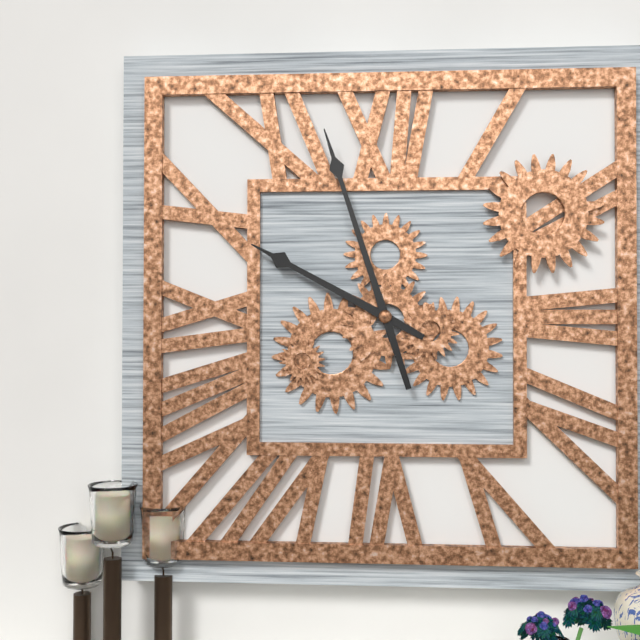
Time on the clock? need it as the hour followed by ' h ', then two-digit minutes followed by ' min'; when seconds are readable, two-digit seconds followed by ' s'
9 h 57 min
